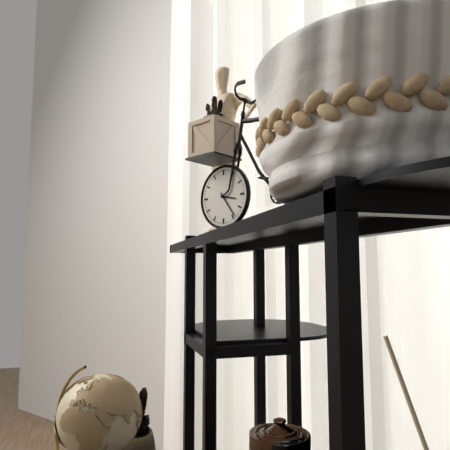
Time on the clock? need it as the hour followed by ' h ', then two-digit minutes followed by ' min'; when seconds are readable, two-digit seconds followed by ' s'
3 h 24 min
